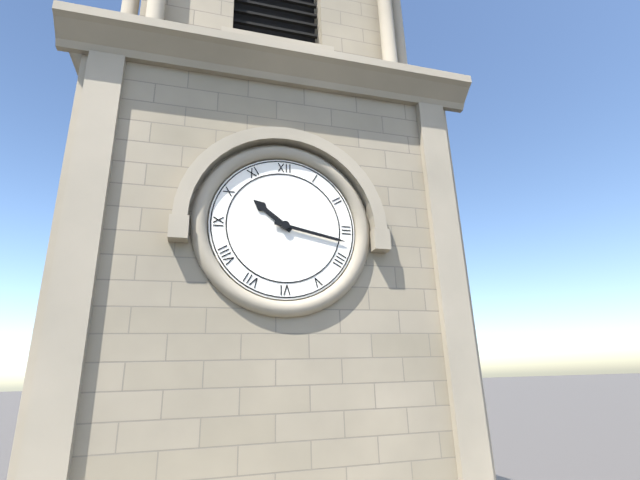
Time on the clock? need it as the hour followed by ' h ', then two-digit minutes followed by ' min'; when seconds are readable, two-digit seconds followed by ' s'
10 h 17 min
